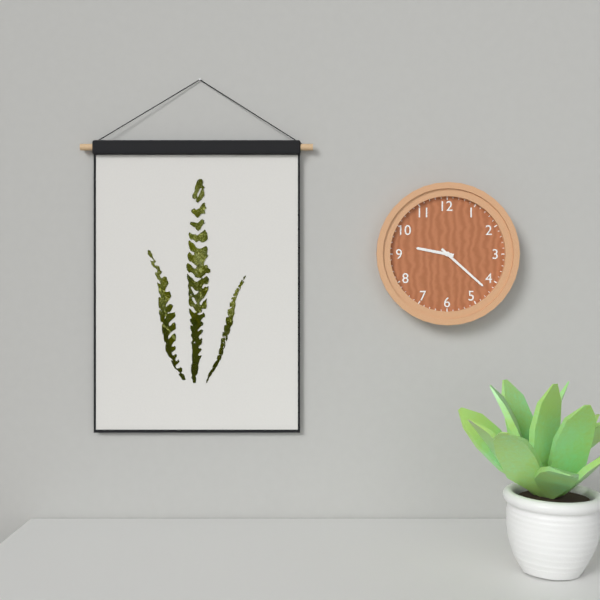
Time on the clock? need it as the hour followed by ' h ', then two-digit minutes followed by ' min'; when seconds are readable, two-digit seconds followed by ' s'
9 h 22 min
